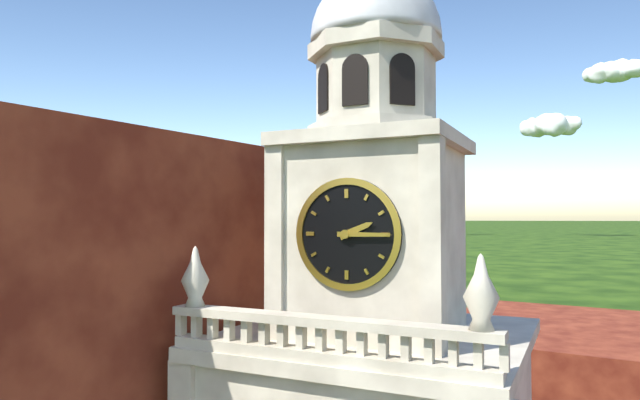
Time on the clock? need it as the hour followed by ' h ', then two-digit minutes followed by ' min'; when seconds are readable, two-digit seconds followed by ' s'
2 h 15 min
